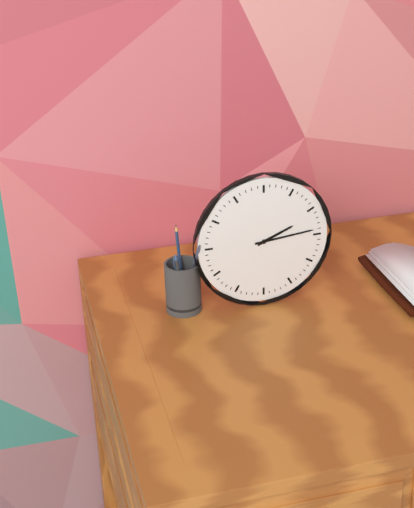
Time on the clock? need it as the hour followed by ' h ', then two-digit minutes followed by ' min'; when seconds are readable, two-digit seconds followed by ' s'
2 h 14 min
